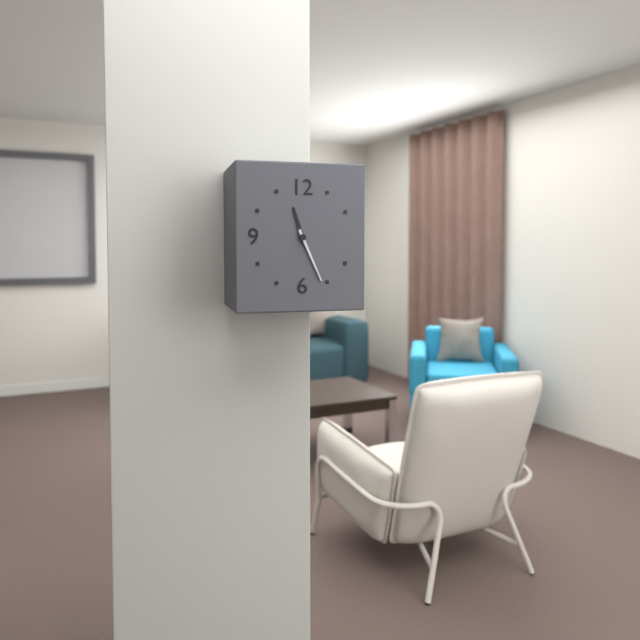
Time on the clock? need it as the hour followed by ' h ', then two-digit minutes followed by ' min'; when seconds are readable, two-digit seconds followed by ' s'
11 h 26 min
